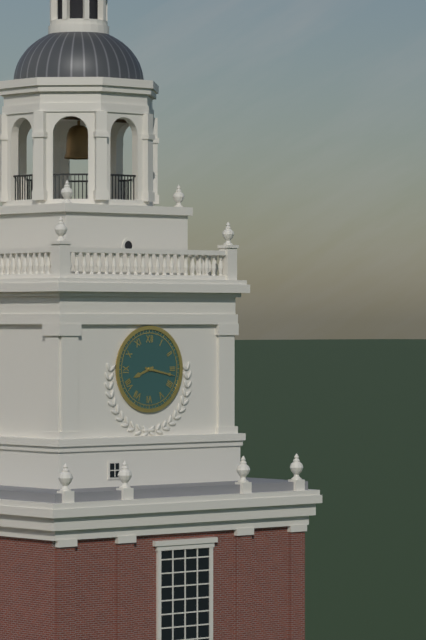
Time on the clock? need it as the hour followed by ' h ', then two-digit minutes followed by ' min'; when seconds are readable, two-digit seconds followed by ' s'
8 h 17 min
